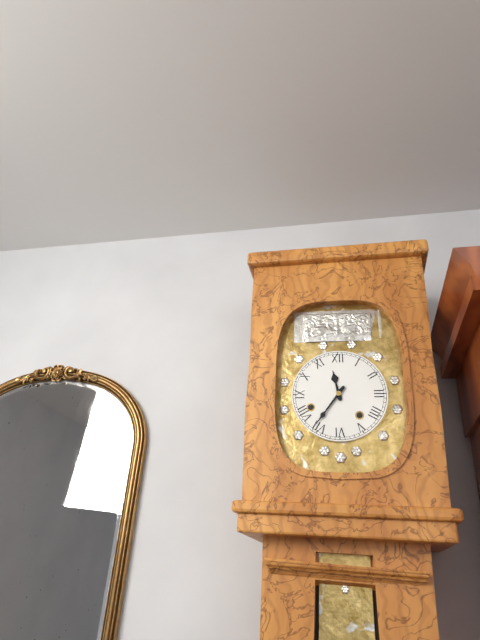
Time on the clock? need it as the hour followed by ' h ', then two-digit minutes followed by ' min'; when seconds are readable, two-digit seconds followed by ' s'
11 h 36 min
